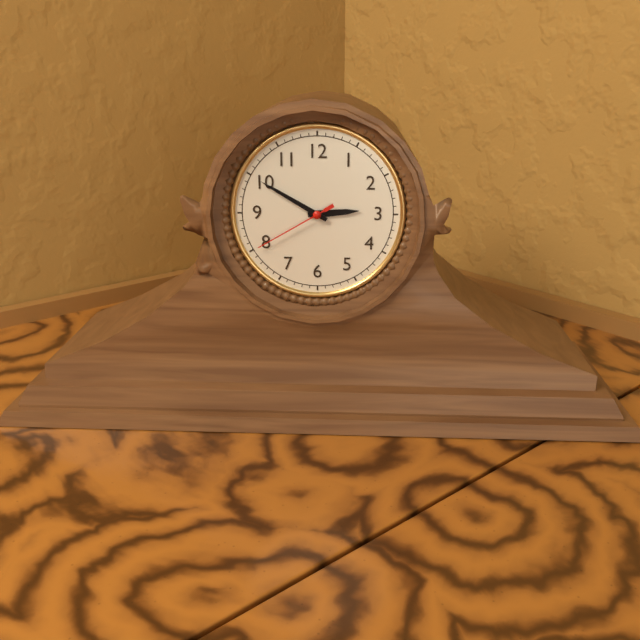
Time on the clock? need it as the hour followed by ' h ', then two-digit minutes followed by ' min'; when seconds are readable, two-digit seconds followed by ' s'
2 h 50 min 40 s
